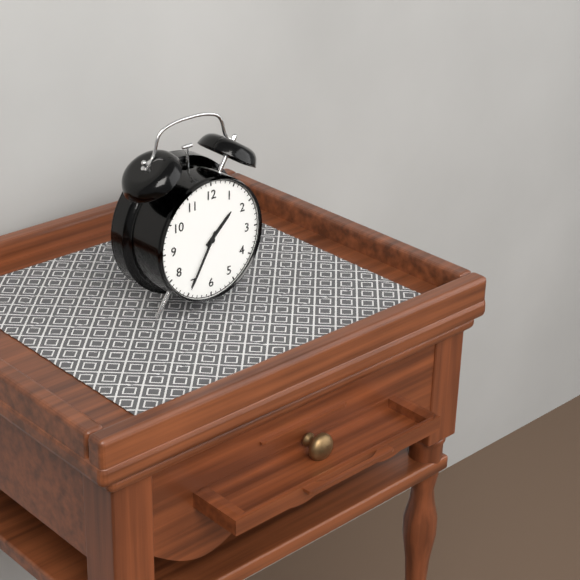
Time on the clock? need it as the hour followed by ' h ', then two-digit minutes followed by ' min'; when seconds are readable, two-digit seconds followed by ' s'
1 h 35 min
